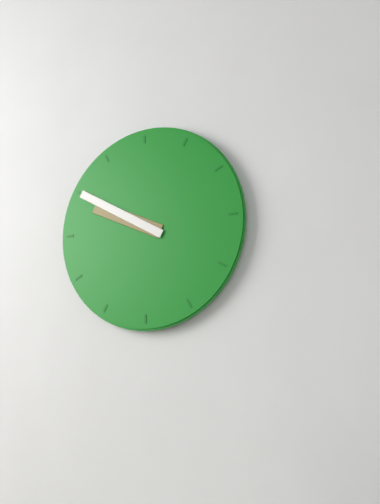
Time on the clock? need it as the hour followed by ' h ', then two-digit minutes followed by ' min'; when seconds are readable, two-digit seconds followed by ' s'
9 h 50 min
